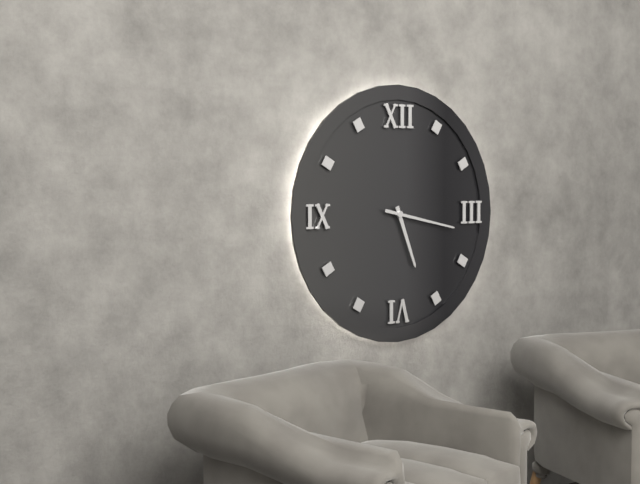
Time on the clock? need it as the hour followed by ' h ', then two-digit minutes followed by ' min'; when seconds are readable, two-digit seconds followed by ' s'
5 h 17 min
